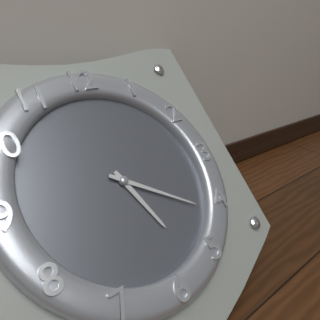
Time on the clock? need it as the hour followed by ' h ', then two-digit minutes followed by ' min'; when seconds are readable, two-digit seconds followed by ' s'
5 h 21 min
